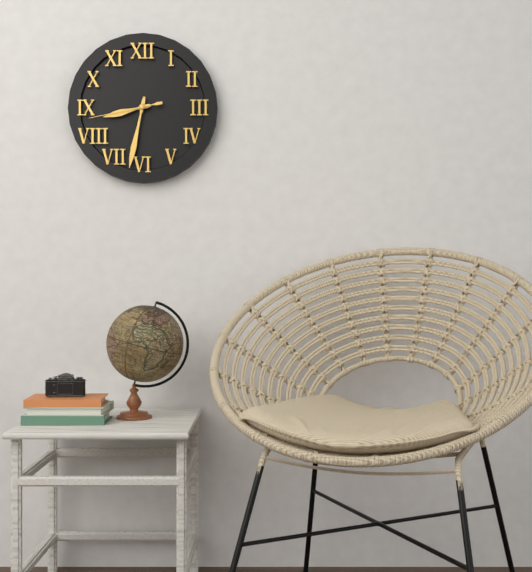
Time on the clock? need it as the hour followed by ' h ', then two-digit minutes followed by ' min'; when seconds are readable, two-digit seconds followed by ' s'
8 h 32 min 43 s
